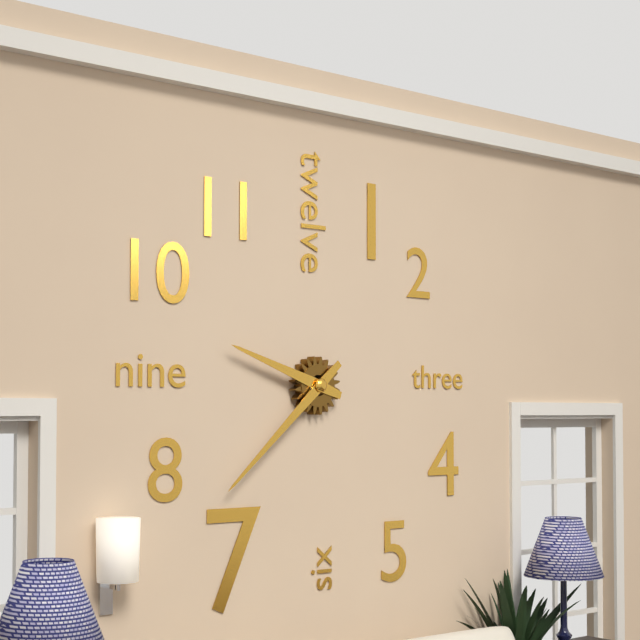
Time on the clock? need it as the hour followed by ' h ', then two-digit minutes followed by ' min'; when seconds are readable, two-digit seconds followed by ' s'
9 h 38 min
